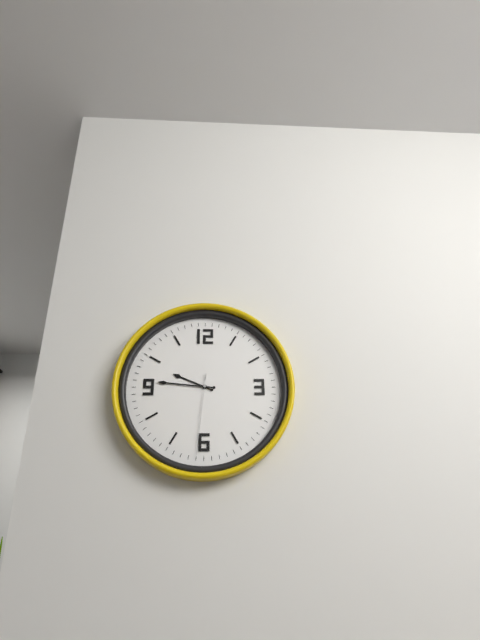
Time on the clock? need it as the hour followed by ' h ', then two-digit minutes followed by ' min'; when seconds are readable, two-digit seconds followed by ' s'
9 h 46 min 31 s
